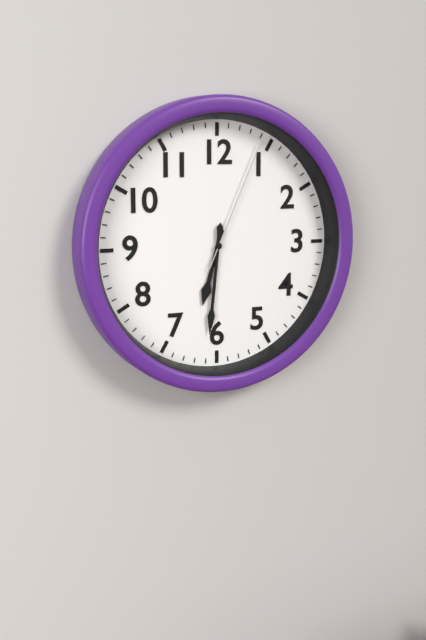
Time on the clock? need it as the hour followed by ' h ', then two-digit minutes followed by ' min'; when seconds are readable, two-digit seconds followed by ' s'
6 h 31 min 04 s
